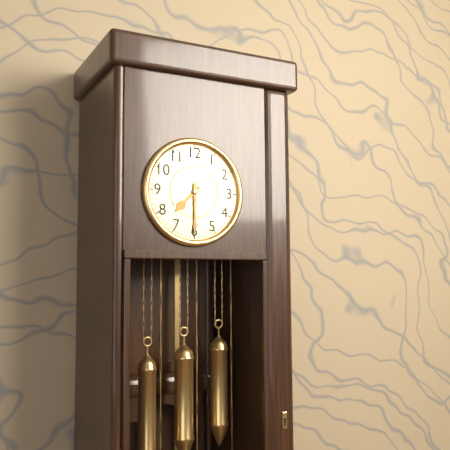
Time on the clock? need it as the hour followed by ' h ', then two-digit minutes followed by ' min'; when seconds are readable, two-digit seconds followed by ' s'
7 h 30 min
